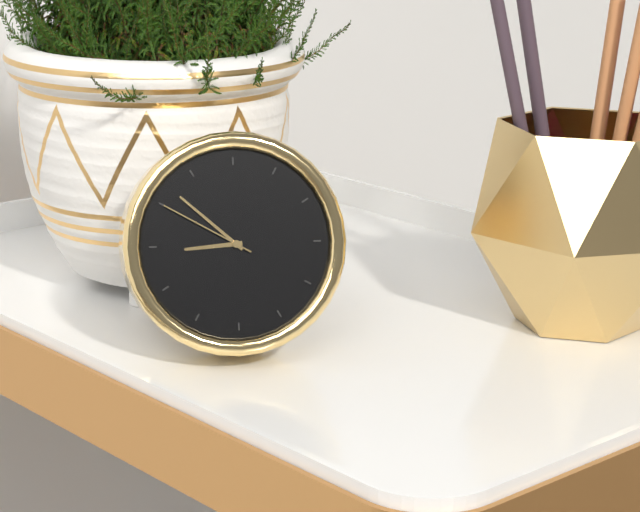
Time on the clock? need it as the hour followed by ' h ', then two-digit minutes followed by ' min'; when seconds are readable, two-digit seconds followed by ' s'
8 h 52 min 50 s
